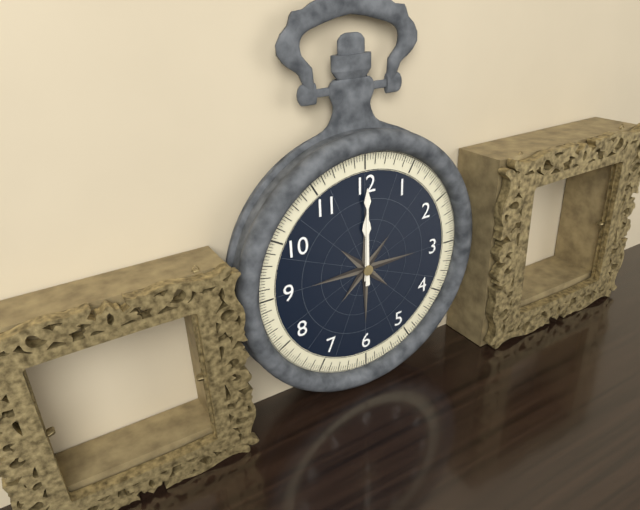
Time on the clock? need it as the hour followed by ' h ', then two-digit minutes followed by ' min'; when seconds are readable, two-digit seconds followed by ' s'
12 h 00 min
